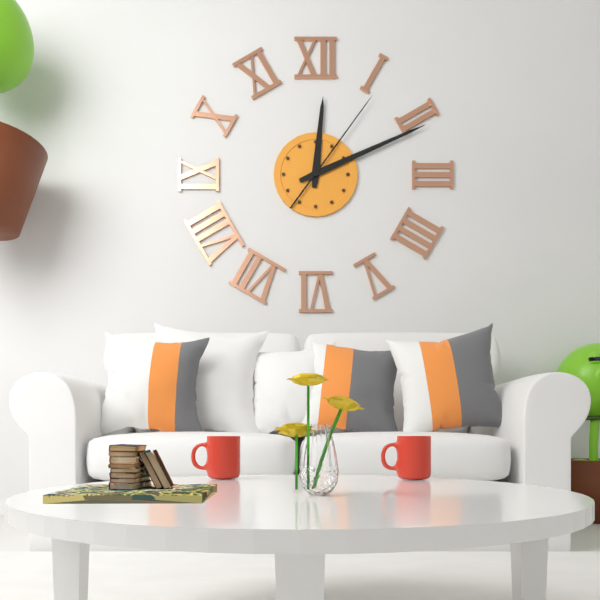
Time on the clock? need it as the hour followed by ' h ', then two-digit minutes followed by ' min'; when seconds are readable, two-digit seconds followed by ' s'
12 h 11 min 06 s
